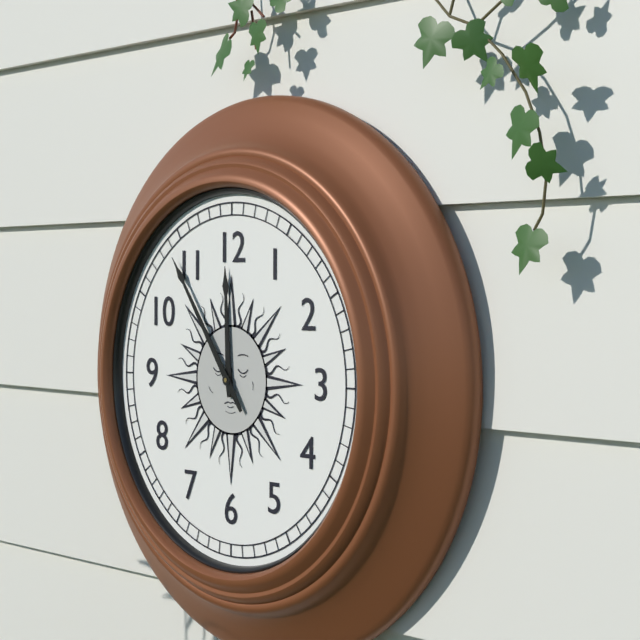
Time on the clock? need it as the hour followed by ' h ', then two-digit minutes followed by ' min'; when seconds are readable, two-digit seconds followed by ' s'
11 h 54 min
